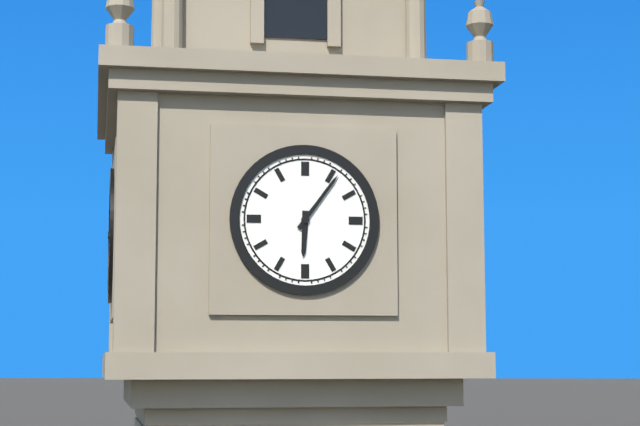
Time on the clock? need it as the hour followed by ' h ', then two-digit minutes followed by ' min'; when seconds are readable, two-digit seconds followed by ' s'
6 h 06 min
